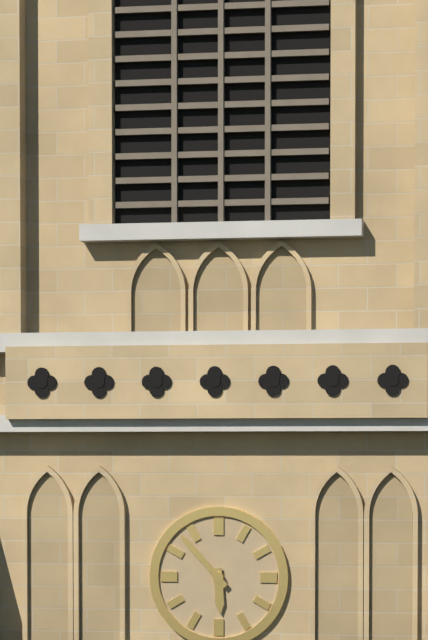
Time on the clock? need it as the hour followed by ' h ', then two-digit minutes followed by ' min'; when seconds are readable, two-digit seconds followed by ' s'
5 h 53 min
